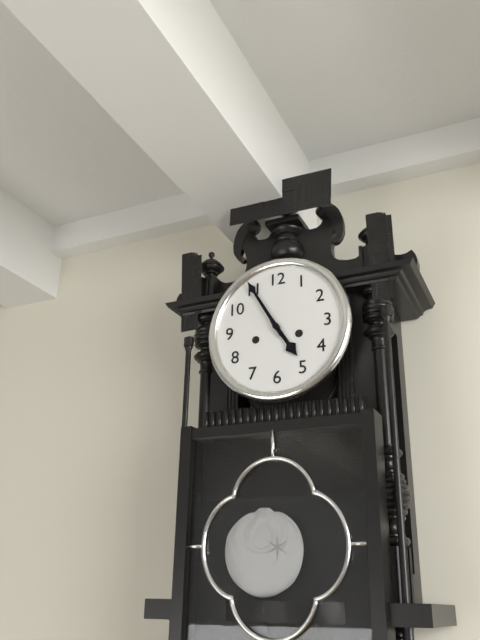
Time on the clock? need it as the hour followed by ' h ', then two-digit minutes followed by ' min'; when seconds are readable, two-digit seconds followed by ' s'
4 h 55 min
